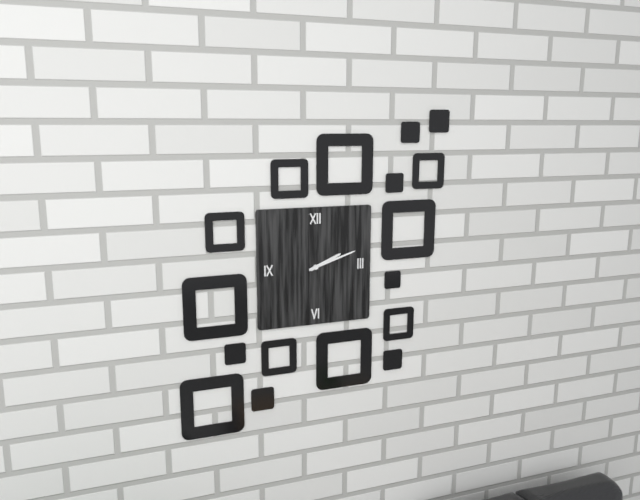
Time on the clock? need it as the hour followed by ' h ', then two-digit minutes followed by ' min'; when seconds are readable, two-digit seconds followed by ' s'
2 h 12 min
